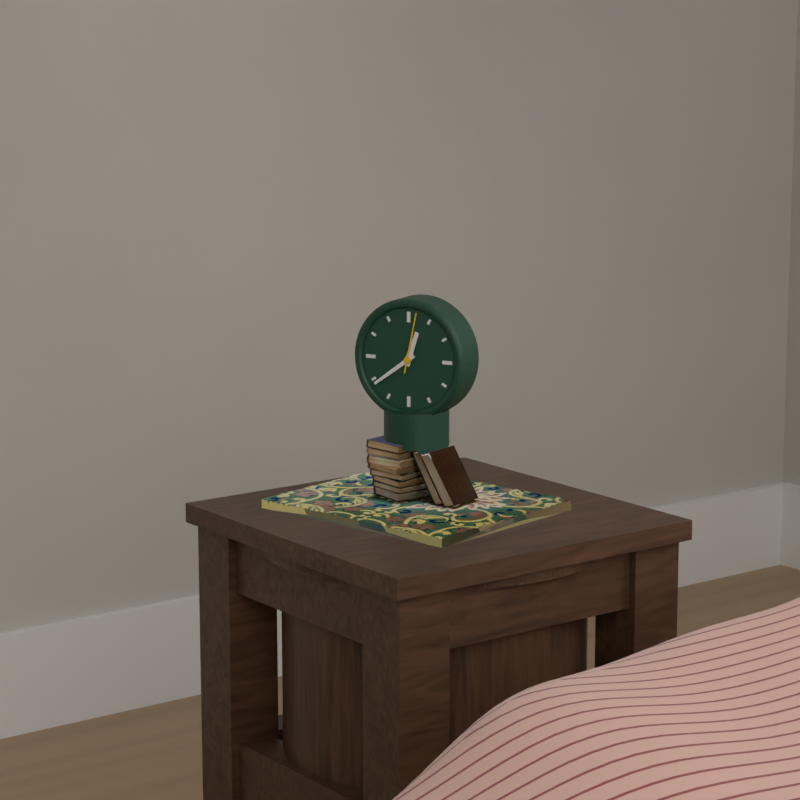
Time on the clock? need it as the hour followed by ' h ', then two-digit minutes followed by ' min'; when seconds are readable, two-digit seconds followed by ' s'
12 h 39 min 02 s
